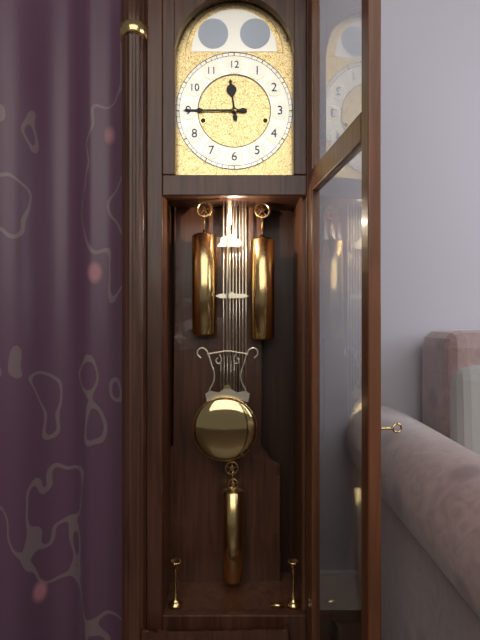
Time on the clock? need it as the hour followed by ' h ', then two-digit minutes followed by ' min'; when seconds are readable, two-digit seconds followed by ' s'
11 h 45 min
